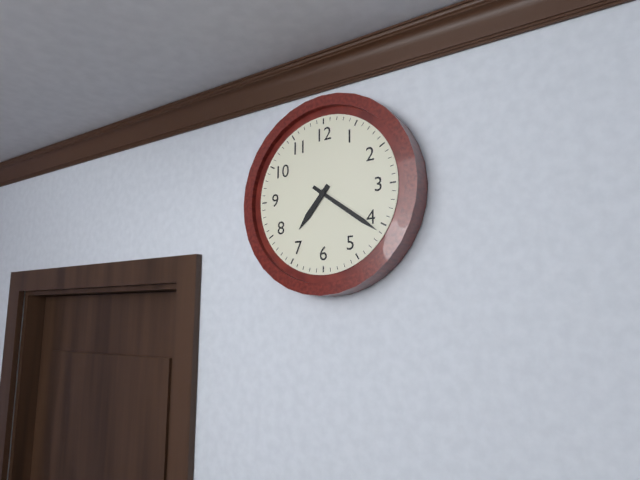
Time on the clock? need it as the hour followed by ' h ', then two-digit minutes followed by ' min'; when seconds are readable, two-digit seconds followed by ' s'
7 h 21 min
